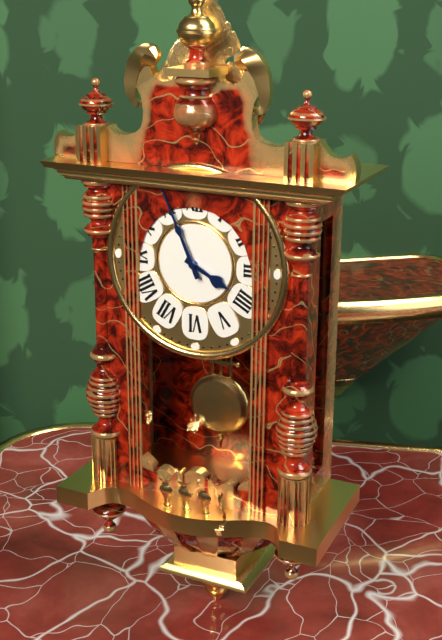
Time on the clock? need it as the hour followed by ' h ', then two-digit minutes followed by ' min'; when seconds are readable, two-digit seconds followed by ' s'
3 h 56 min
